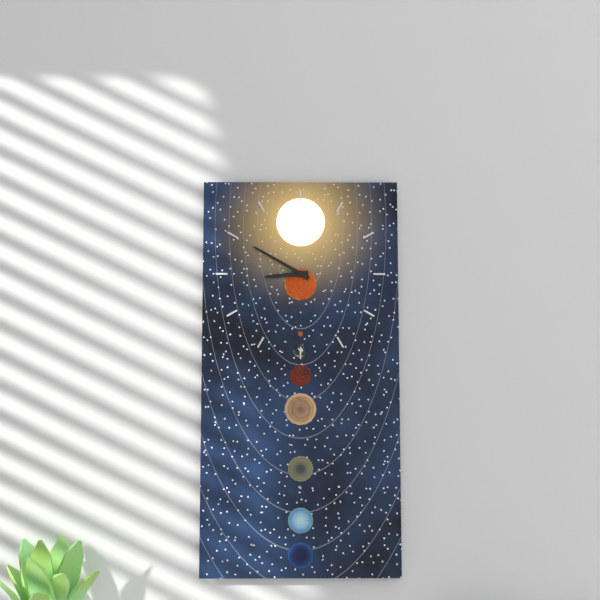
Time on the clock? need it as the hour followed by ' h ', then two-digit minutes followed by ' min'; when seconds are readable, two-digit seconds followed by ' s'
8 h 50 min
